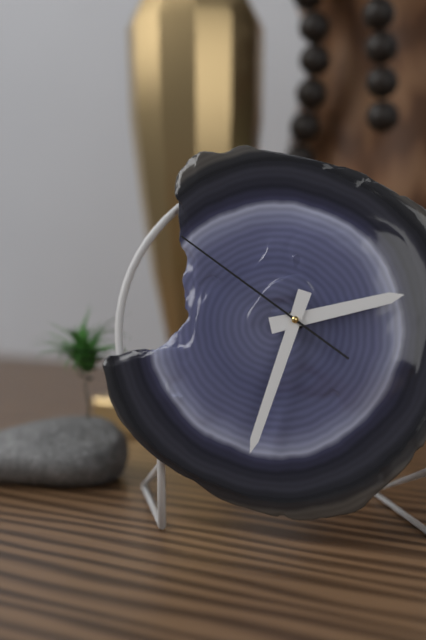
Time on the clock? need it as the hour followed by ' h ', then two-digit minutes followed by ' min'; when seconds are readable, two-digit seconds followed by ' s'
2 h 33 min 51 s
